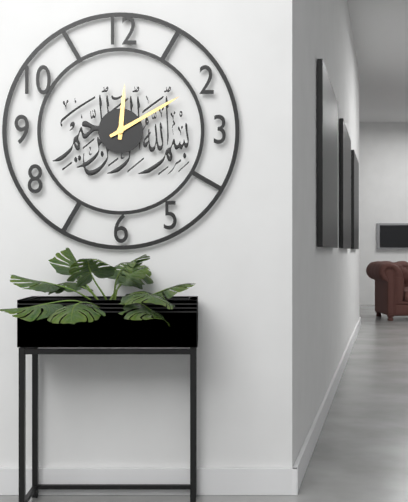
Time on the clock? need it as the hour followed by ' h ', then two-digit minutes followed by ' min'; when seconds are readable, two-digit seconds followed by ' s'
12 h 10 min
